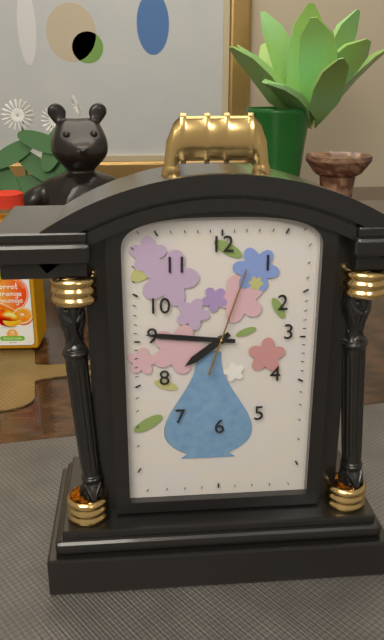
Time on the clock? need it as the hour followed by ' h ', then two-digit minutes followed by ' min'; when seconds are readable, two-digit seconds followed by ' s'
7 h 46 min 03 s
